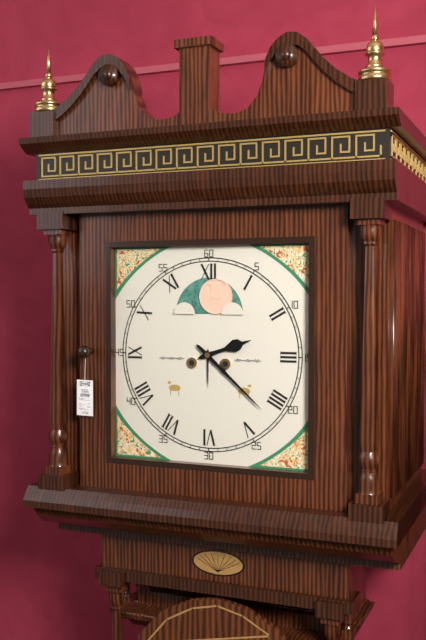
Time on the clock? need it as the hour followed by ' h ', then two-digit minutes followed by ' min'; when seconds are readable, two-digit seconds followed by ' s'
2 h 22 min
